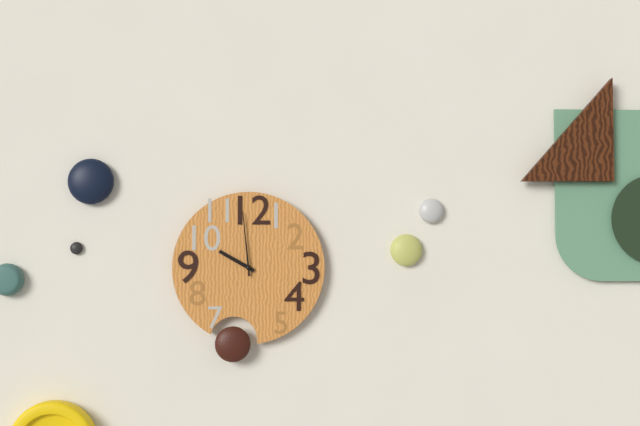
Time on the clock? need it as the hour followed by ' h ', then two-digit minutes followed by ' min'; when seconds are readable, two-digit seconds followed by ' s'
9 h 59 min
